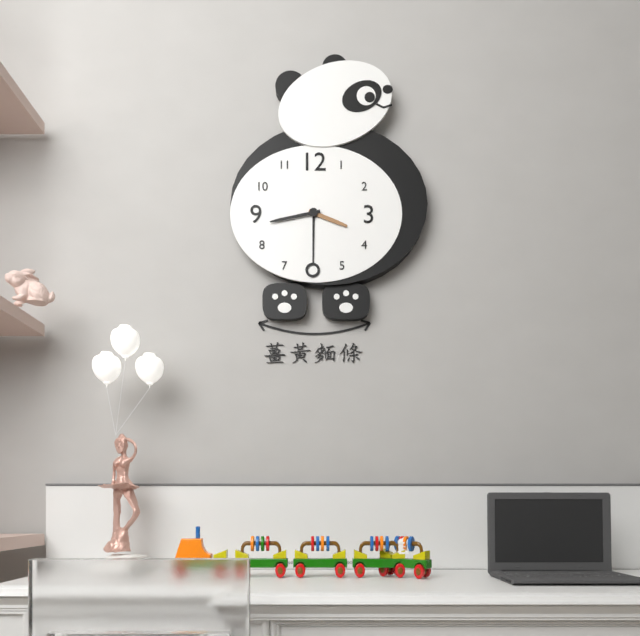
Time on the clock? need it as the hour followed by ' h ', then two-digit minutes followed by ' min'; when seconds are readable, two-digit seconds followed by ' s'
3 h 43 min
